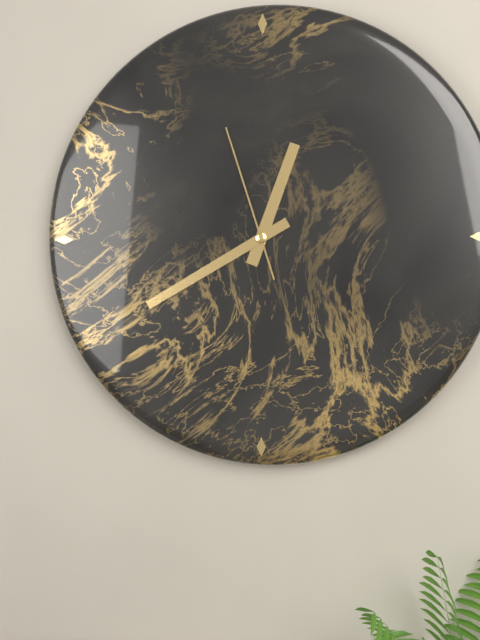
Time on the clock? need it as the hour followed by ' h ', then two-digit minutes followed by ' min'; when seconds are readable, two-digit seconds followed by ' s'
12 h 40 min 57 s
